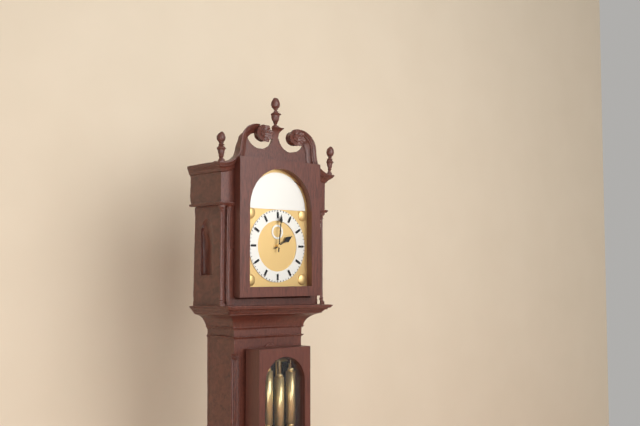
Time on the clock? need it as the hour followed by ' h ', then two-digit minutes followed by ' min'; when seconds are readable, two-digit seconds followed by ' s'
2 h 01 min
